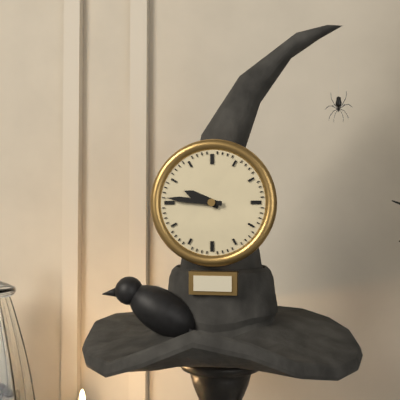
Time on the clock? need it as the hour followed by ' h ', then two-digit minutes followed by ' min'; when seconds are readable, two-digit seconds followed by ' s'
9 h 46 min
